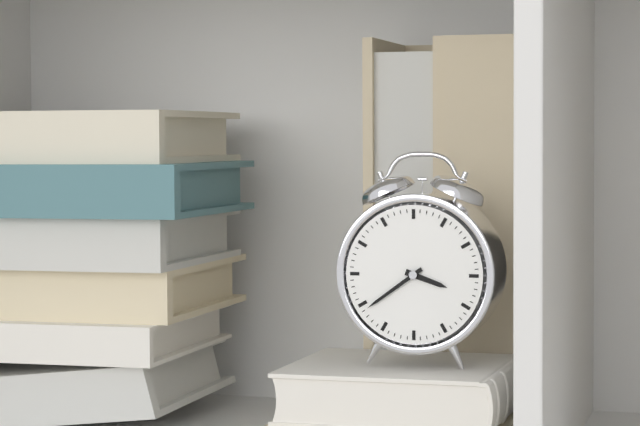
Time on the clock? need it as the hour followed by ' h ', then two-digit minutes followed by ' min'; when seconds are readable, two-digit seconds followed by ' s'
3 h 39 min
